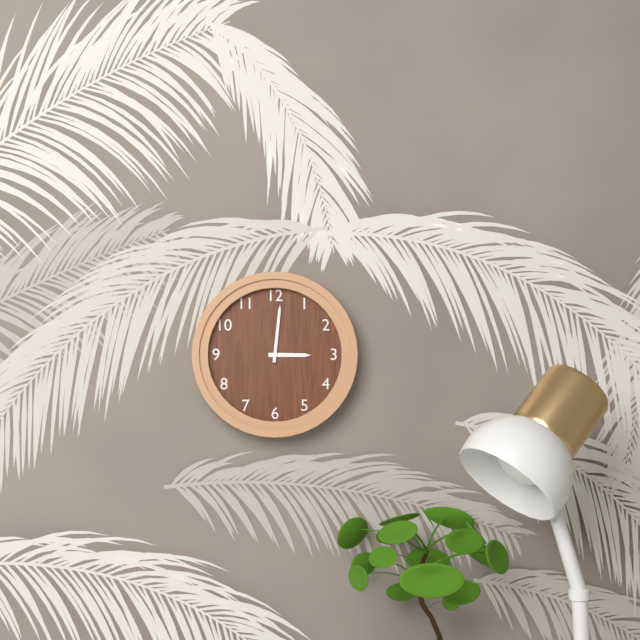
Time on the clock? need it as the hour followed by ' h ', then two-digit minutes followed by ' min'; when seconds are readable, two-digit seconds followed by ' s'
3 h 01 min
